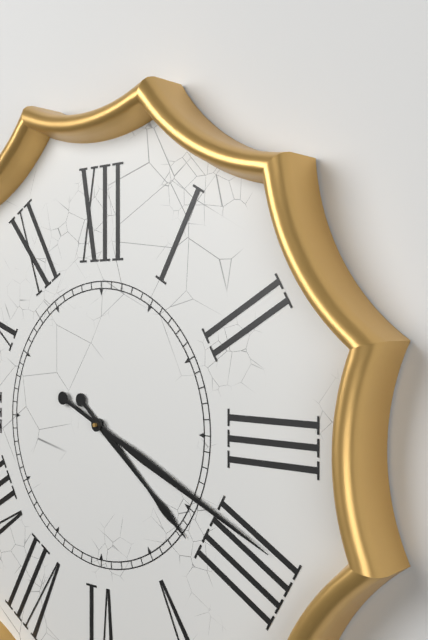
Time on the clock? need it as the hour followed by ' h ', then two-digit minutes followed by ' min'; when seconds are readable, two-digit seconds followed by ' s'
4 h 19 min
